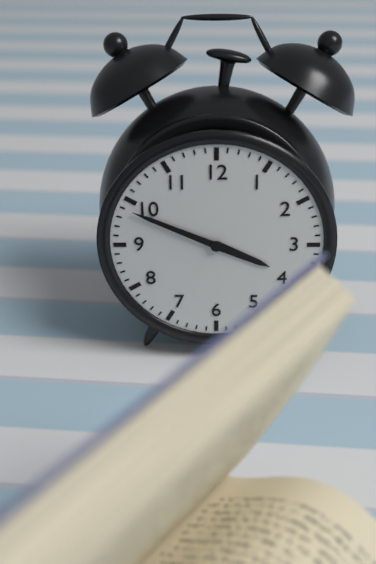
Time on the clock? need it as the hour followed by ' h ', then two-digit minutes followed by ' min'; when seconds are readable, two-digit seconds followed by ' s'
3 h 49 min
